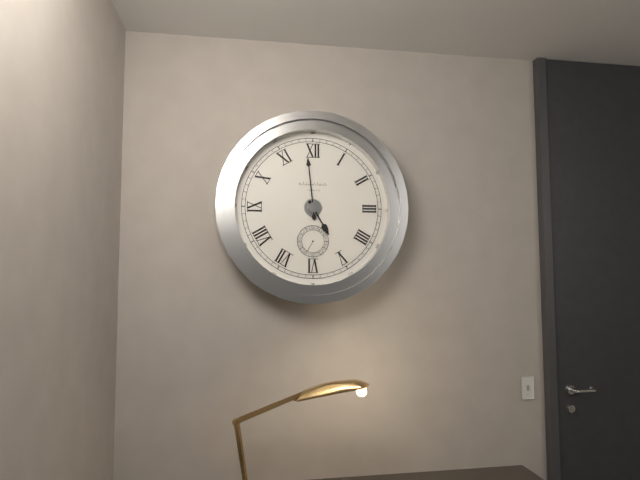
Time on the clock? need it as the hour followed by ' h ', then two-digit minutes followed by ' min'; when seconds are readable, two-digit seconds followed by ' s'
4 h 59 min
